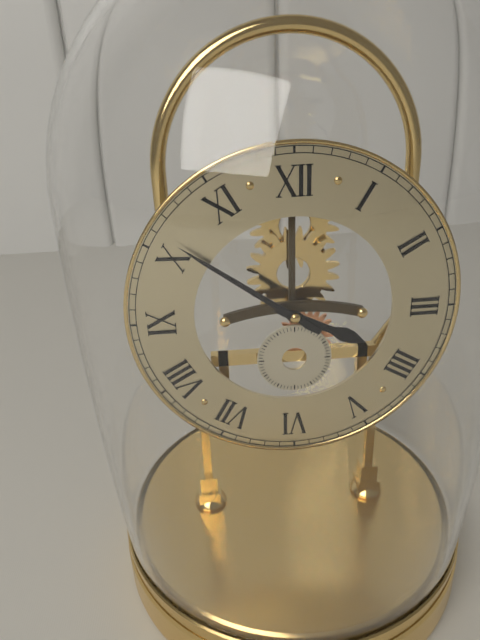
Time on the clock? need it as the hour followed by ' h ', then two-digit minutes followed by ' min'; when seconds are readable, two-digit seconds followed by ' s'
3 h 51 min
